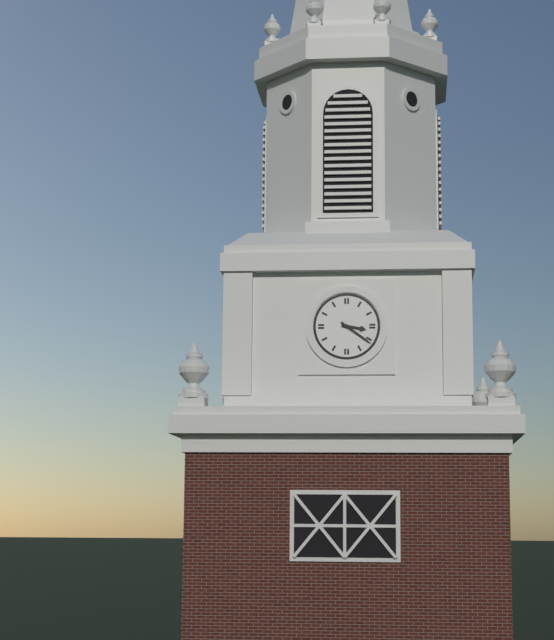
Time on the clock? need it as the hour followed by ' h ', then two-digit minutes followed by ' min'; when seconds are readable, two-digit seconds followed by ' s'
3 h 21 min
